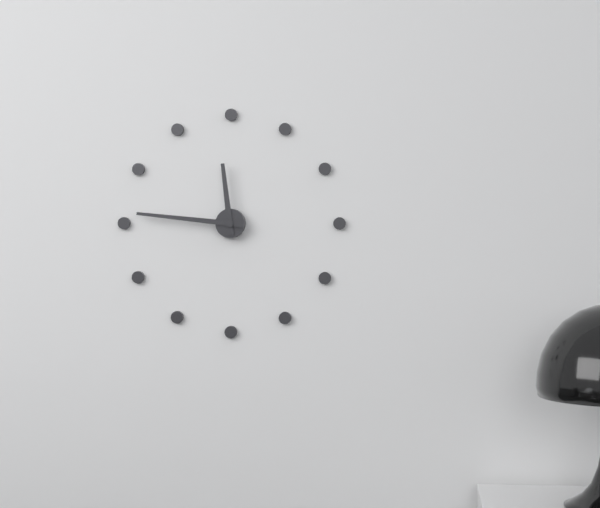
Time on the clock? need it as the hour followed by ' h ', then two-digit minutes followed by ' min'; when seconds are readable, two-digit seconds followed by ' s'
11 h 46 min
